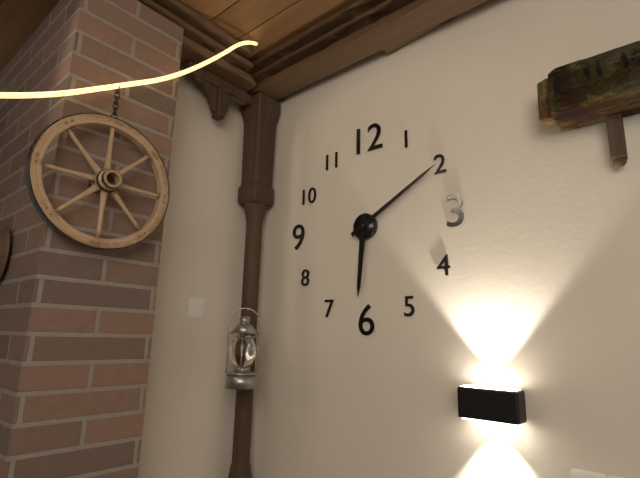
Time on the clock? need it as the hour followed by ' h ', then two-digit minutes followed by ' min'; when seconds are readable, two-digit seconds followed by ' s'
6 h 10 min
